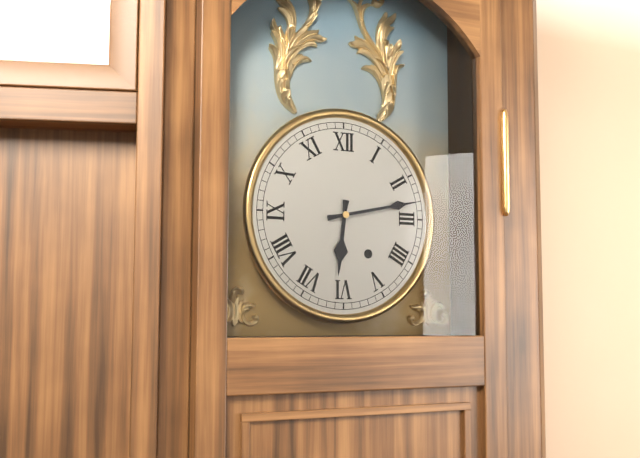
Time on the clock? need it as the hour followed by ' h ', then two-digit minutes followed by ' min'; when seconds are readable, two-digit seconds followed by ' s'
6 h 13 min
